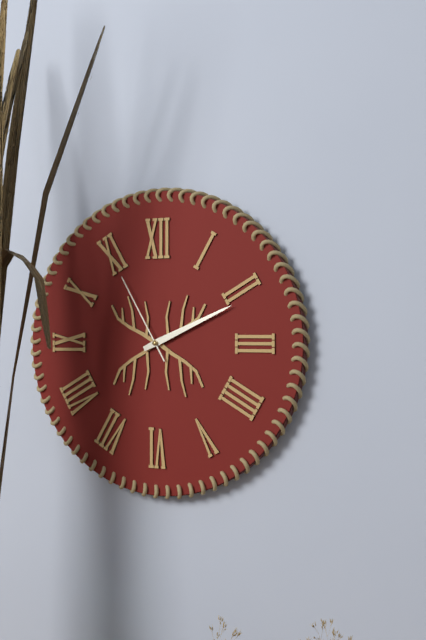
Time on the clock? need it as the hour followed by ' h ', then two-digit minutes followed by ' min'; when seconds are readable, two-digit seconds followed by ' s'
2 h 11 min 55 s
